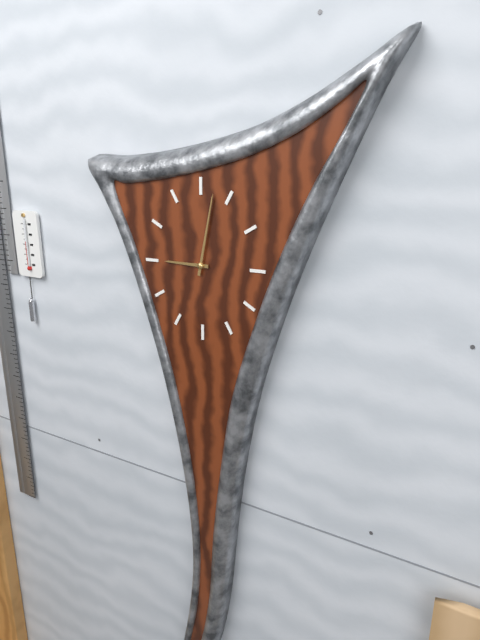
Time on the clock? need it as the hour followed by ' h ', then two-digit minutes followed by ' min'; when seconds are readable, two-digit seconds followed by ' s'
9 h 02 min
